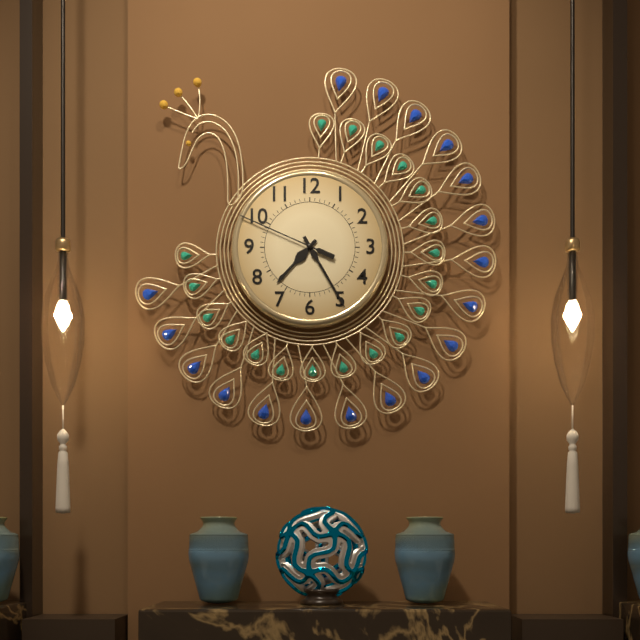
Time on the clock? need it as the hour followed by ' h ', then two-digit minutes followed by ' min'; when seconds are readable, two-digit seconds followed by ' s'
7 h 25 min 49 s
